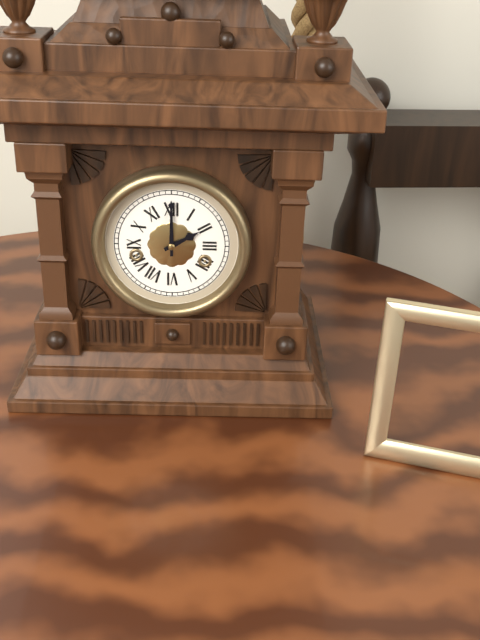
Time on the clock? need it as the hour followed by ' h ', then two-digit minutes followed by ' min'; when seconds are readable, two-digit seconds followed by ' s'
2 h 00 min
